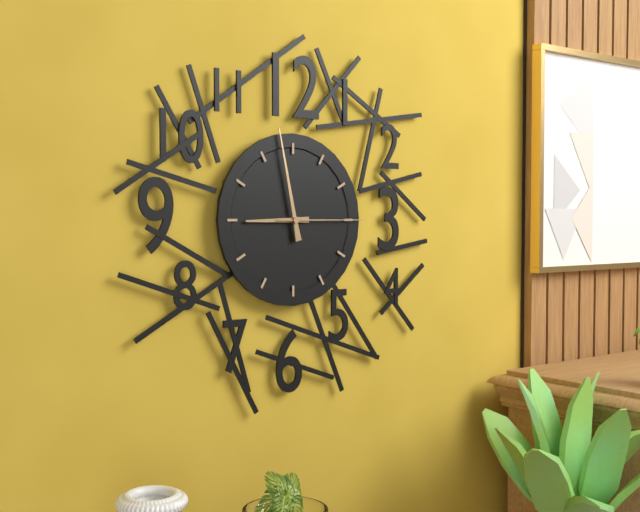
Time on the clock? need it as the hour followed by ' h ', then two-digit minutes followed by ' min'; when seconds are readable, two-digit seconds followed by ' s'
8 h 58 min 15 s
